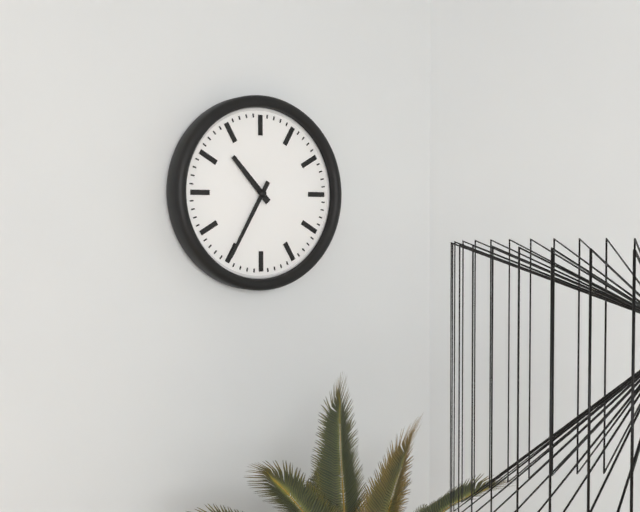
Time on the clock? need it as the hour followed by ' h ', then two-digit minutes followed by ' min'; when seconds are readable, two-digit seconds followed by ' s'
10 h 35 min
